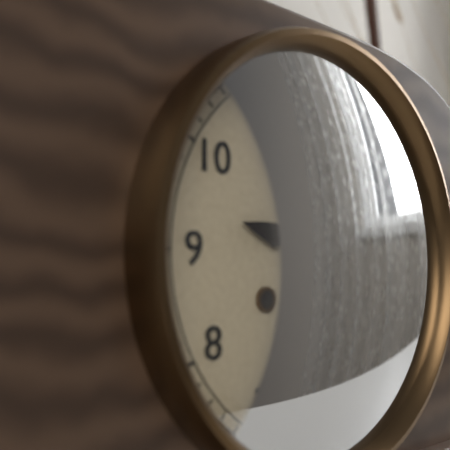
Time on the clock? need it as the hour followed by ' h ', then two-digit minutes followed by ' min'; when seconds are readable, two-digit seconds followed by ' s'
9 h 27 min
